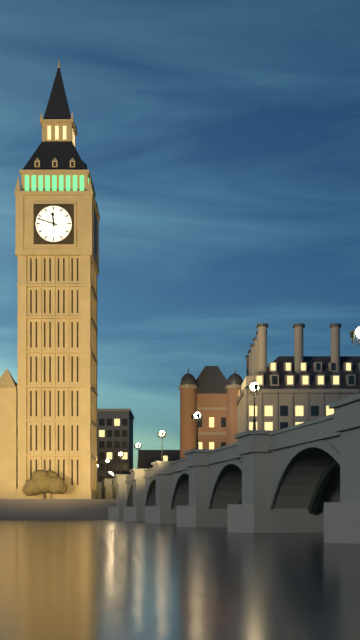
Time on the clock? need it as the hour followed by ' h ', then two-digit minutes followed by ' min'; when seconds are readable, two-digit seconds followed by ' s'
11 h 48 min
